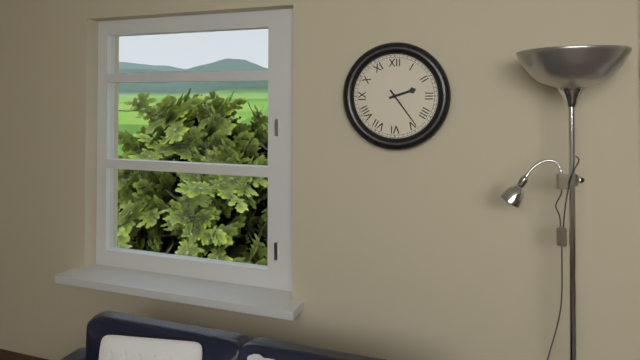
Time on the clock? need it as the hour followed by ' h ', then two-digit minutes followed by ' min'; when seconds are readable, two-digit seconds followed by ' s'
2 h 24 min
